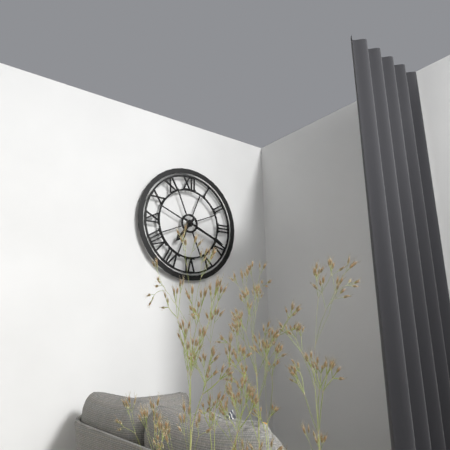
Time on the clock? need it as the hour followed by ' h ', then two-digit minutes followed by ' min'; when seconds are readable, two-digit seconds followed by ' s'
7 h 19 min
